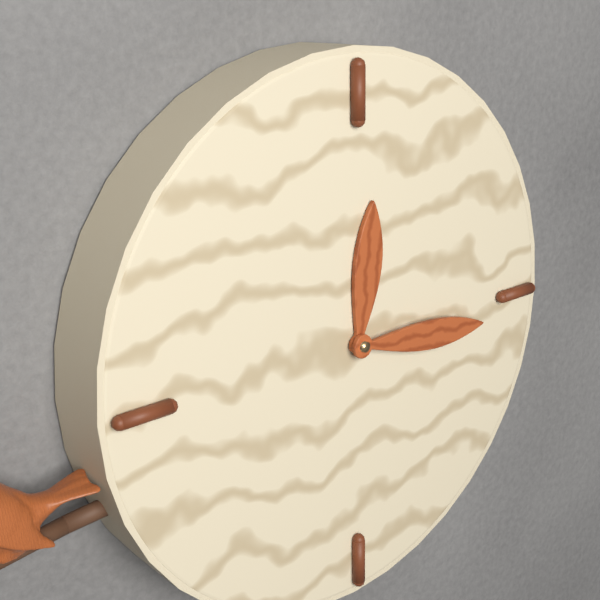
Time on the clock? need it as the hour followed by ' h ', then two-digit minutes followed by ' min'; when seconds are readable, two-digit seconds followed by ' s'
12 h 16 min
